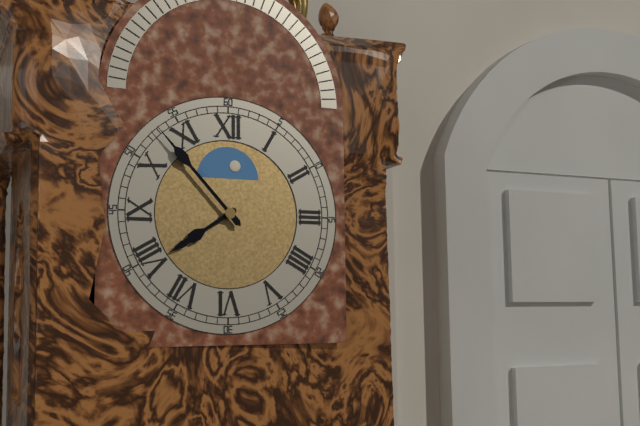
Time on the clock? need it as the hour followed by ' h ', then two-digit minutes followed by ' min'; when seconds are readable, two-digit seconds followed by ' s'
7 h 53 min
